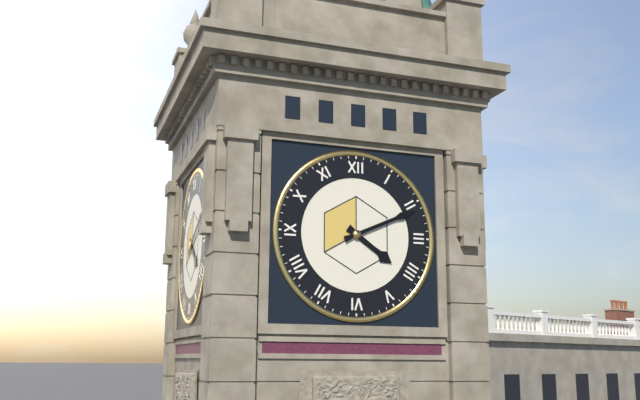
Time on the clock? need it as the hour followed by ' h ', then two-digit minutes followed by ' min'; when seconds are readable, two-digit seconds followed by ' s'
4 h 11 min
